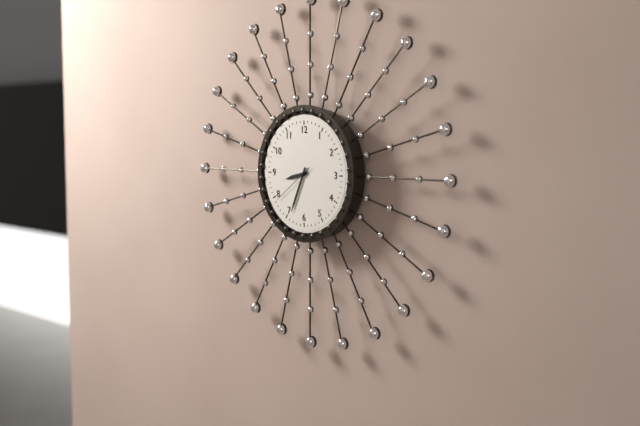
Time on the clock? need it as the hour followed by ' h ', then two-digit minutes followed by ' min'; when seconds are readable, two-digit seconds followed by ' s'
8 h 34 min
